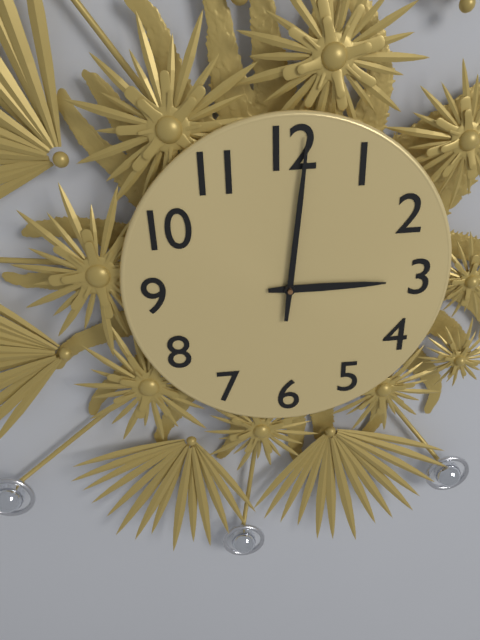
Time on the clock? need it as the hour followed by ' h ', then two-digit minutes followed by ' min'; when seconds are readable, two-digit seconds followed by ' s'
3 h 01 min
